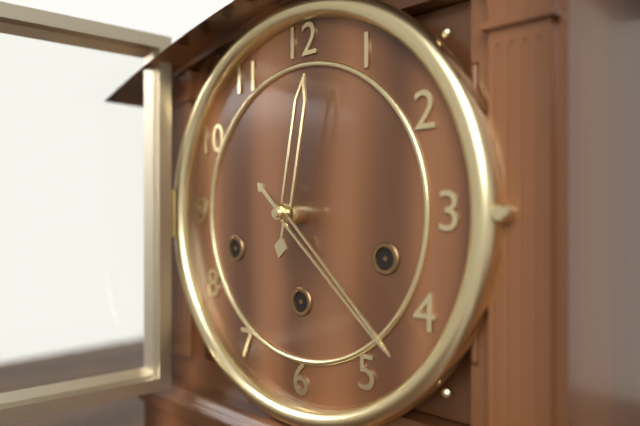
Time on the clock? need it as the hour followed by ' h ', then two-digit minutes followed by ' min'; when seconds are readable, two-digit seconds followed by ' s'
12 h 22 min
